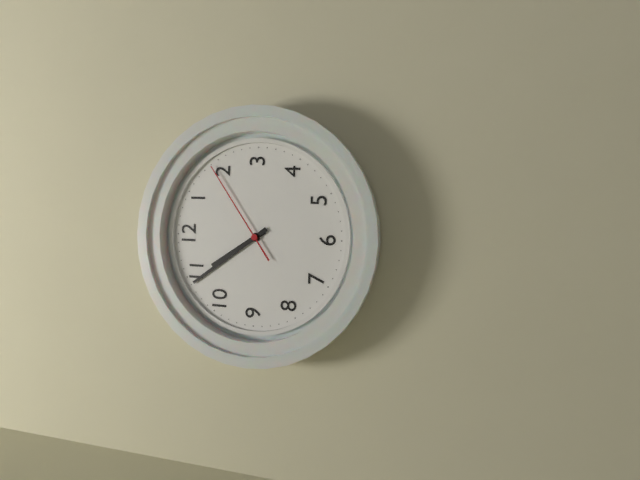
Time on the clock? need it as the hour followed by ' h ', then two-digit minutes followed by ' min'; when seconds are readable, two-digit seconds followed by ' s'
10 h 54 min 09 s
